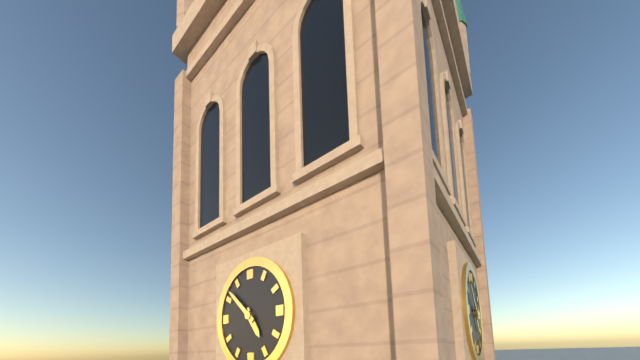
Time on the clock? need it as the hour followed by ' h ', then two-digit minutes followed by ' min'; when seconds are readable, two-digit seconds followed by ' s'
4 h 52 min
